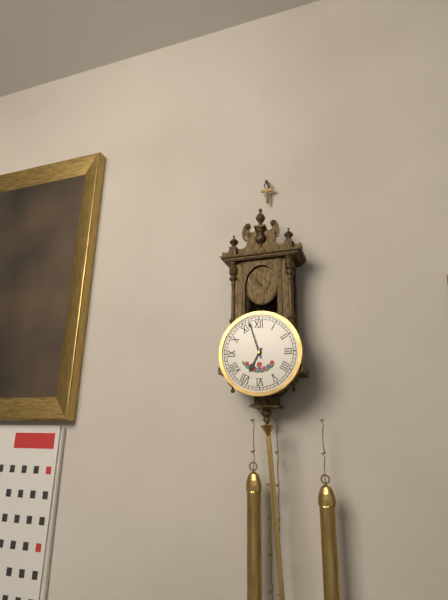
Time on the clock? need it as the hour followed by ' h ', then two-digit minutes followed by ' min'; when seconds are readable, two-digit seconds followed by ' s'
6 h 57 min
